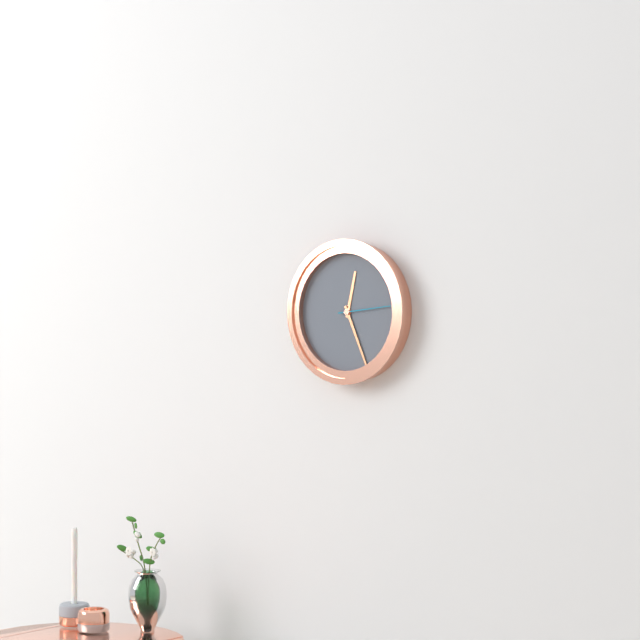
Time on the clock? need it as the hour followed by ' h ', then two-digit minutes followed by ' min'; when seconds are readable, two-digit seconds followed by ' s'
12 h 26 min 14 s
